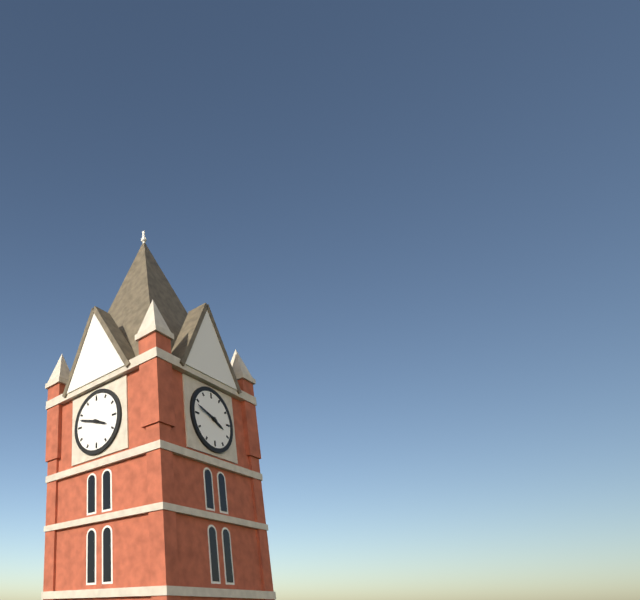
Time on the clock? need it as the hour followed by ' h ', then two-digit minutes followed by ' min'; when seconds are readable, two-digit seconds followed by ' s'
3 h 48 min
